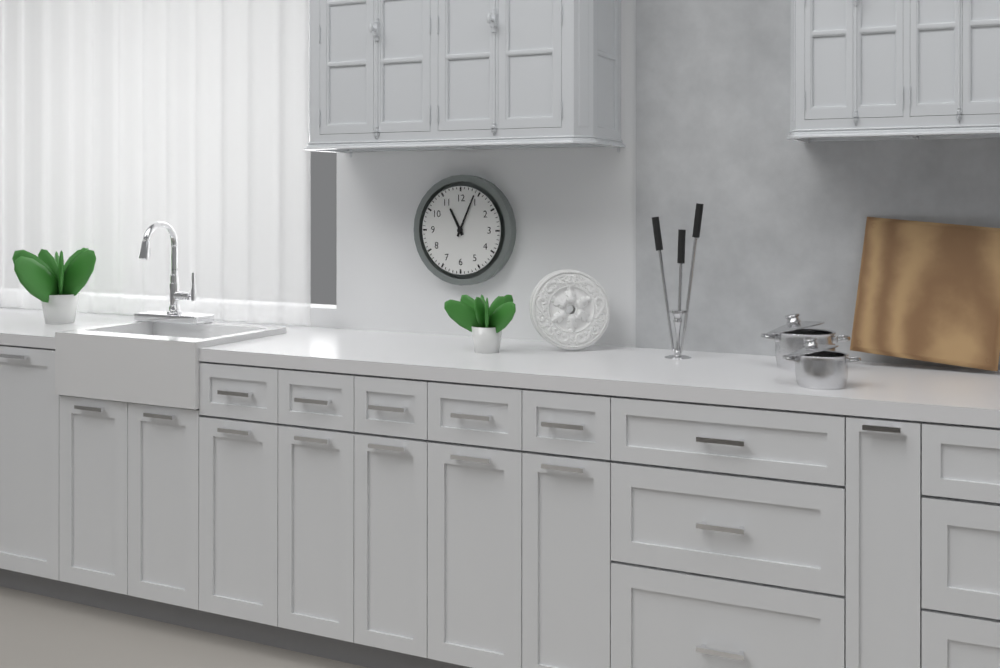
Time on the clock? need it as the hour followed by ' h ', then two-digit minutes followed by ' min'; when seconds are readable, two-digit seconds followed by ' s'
11 h 04 min
